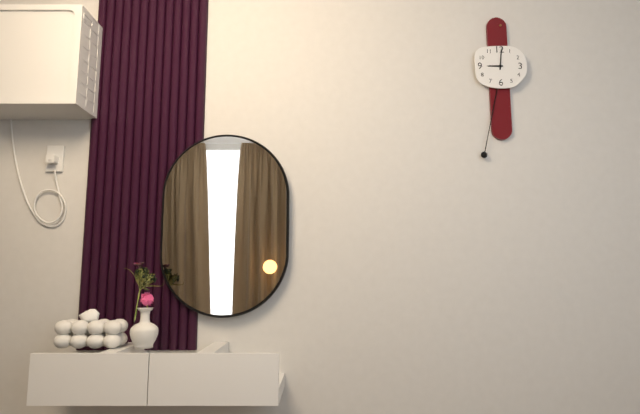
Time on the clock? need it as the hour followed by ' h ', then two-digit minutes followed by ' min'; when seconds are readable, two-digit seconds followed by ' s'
9 h 01 min
